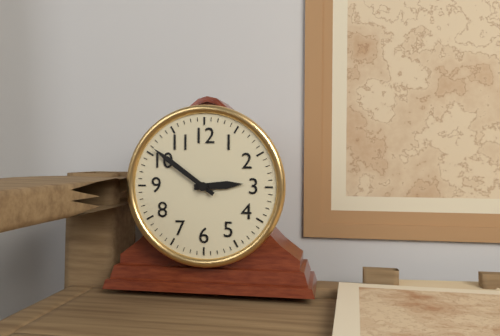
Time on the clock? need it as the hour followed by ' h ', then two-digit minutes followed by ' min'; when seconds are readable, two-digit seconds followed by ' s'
2 h 51 min
